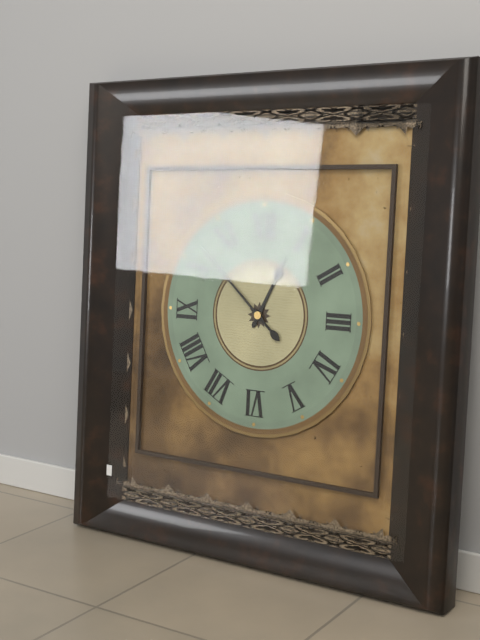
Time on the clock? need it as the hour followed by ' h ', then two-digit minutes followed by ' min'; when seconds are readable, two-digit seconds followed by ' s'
12 h 52 min
